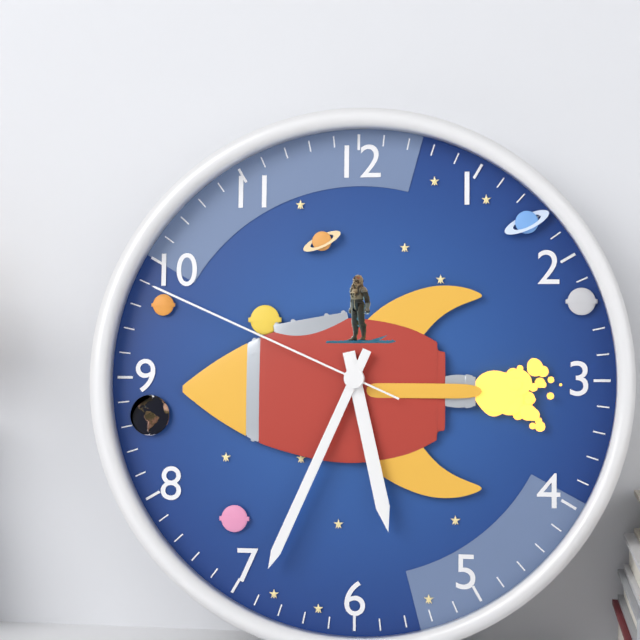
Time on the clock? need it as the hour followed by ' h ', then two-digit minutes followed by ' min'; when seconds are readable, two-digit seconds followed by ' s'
5 h 34 min 49 s
